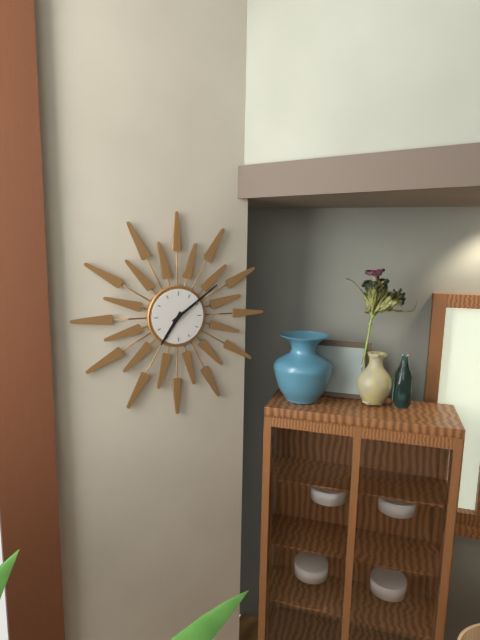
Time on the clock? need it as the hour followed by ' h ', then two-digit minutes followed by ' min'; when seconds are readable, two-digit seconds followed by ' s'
7 h 09 min
